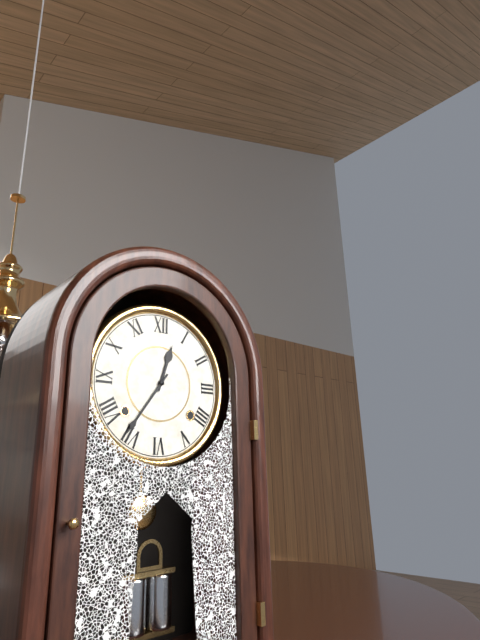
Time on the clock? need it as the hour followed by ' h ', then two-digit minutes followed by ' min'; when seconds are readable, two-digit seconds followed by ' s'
12 h 36 min
